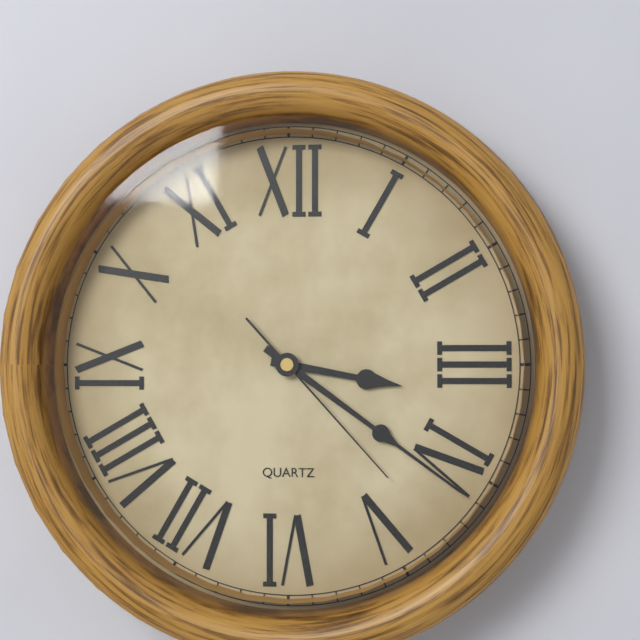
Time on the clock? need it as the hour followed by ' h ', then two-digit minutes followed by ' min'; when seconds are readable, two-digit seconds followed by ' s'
3 h 21 min 23 s
